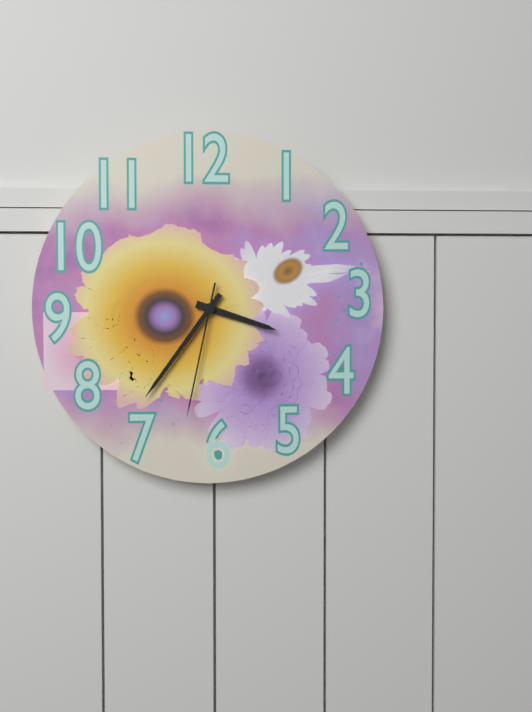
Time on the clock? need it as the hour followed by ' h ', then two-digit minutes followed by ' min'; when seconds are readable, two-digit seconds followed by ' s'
3 h 36 min 32 s
